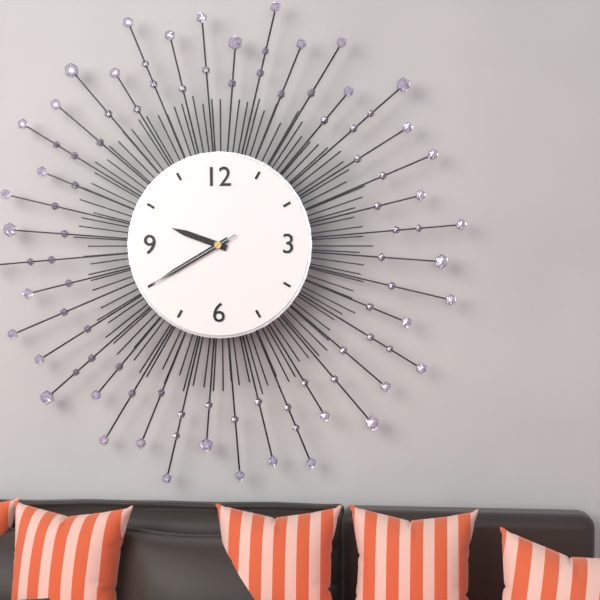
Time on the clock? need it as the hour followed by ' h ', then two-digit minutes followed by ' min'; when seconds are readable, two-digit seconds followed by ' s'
9 h 40 min 40 s
